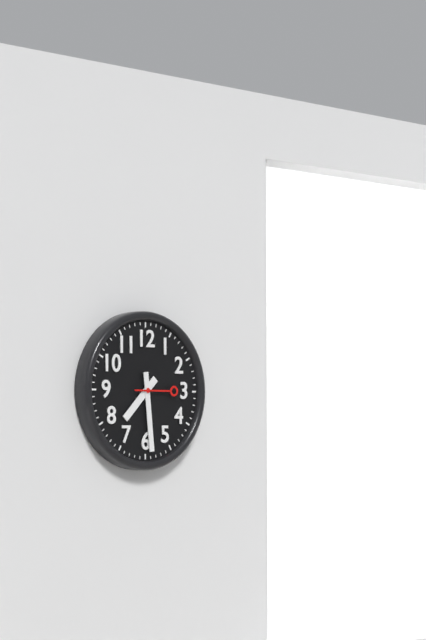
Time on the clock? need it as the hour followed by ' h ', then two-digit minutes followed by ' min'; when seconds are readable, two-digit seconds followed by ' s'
7 h 29 min 15 s
